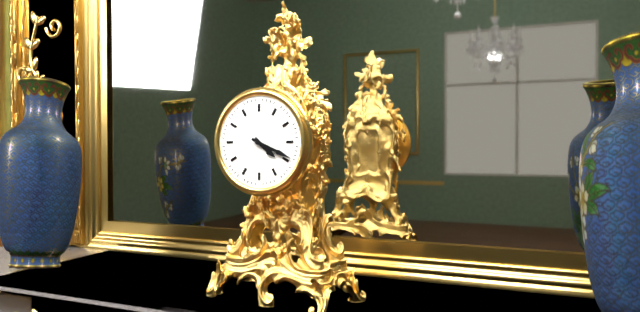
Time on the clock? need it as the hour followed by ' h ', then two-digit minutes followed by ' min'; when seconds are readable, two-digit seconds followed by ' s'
4 h 19 min
